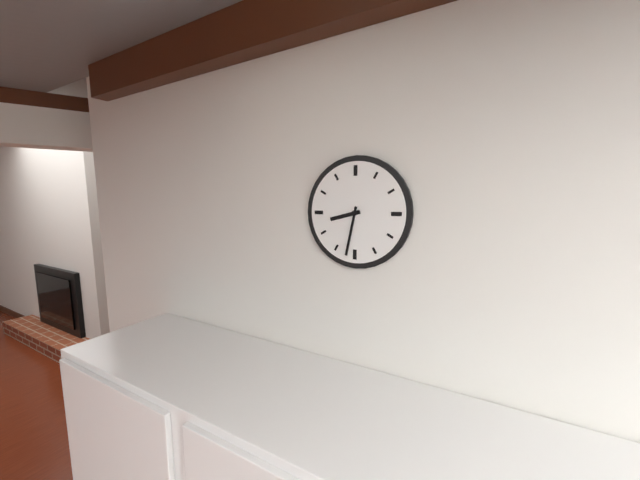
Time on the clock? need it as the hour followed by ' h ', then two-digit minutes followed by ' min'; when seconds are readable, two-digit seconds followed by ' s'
8 h 32 min
